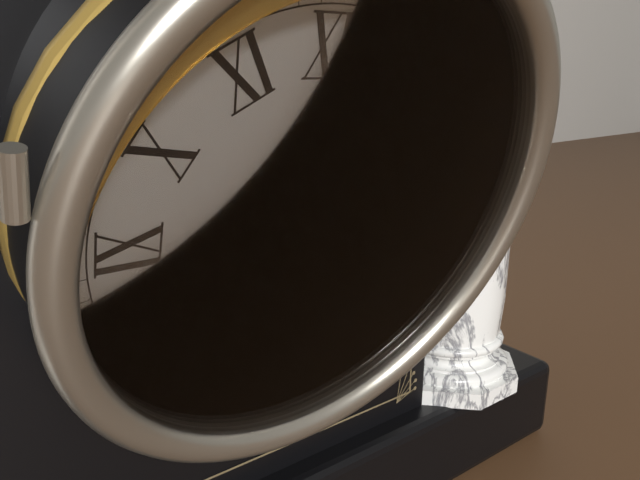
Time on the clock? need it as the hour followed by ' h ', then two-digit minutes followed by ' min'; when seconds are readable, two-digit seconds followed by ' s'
6 h 41 min
